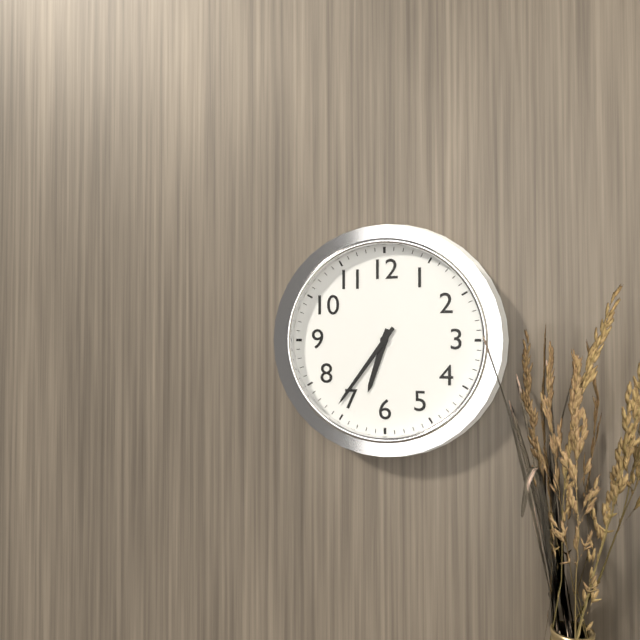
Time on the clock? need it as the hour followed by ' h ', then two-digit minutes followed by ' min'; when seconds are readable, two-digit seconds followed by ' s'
6 h 36 min
